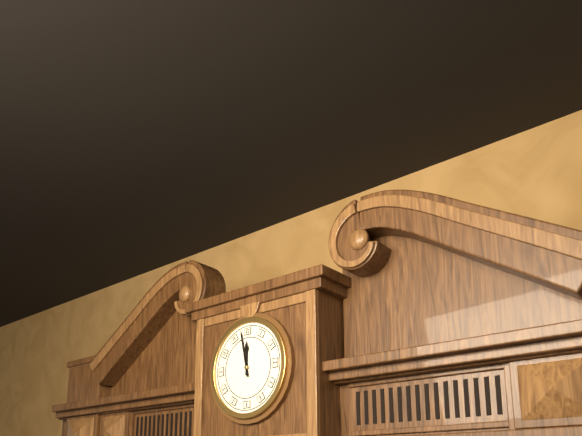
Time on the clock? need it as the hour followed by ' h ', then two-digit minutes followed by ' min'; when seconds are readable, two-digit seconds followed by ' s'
11 h 58 min
